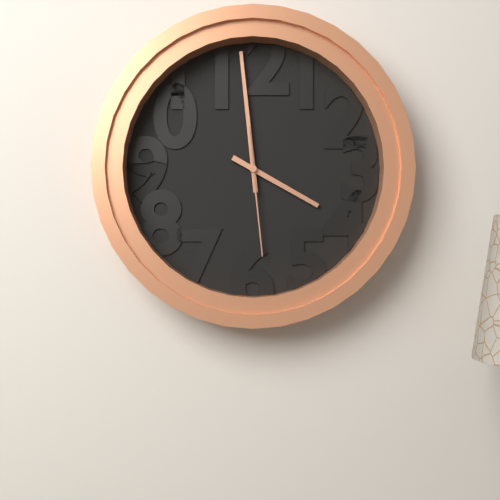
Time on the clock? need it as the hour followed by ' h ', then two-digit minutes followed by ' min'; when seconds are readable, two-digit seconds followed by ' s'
3 h 59 min 29 s
